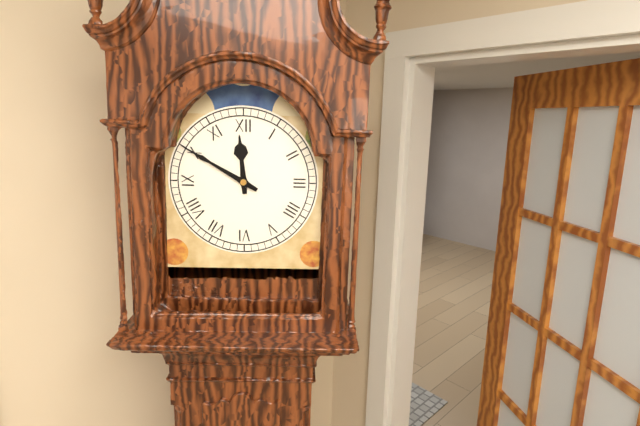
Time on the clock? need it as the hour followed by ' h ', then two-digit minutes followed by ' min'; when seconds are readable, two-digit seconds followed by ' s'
11 h 50 min
